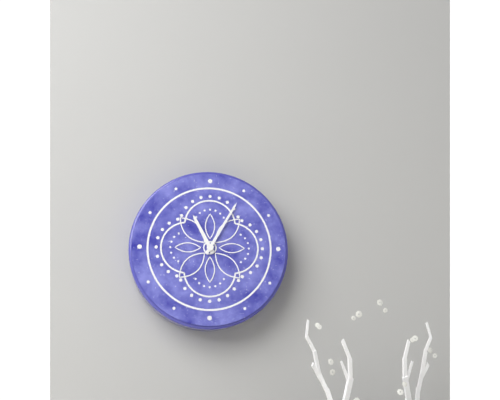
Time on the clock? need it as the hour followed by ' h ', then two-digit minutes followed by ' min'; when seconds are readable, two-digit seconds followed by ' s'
11 h 05 min
